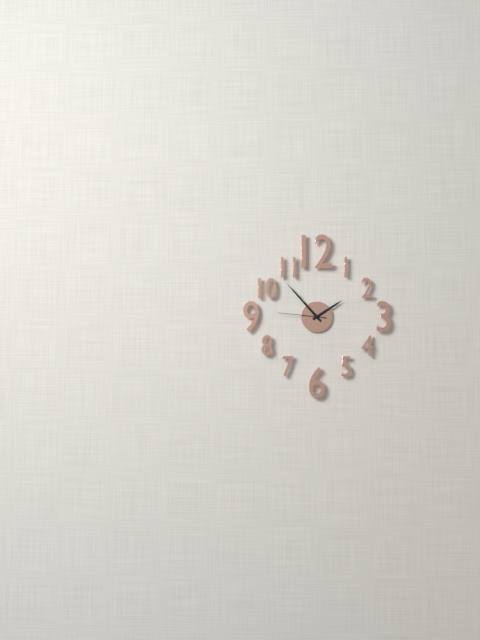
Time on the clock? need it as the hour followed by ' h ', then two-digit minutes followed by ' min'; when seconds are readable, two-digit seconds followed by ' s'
1 h 53 min
